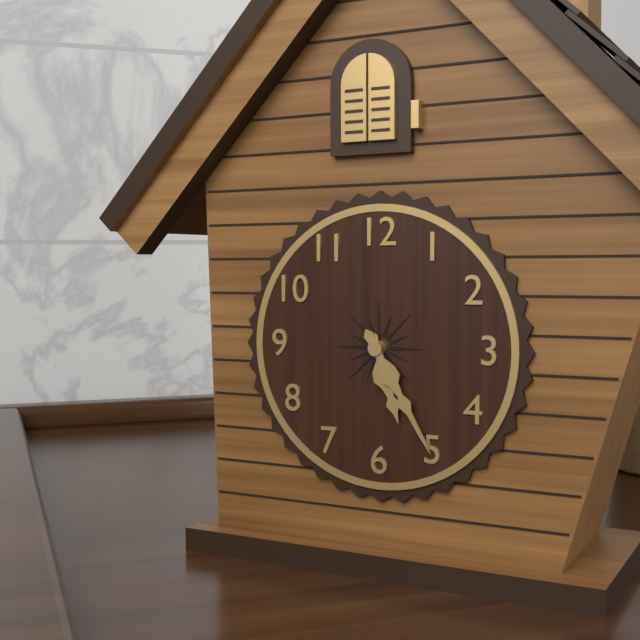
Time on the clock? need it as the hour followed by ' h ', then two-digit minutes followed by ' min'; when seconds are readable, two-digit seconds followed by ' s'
5 h 25 min
